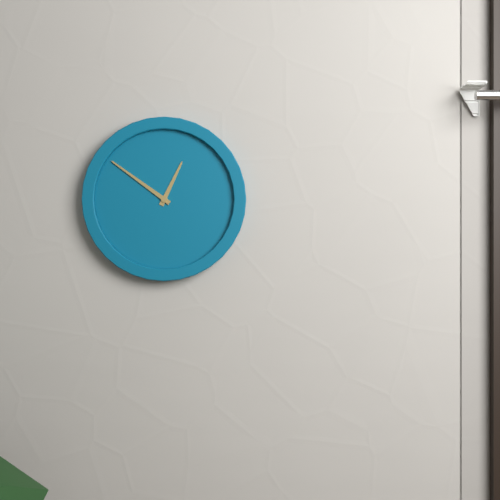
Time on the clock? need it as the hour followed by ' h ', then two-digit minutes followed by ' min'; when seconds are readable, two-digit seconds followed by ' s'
12 h 51 min
